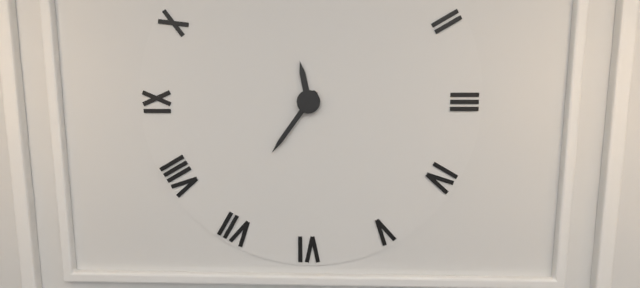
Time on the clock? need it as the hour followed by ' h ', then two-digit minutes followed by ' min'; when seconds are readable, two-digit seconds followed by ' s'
11 h 36 min
